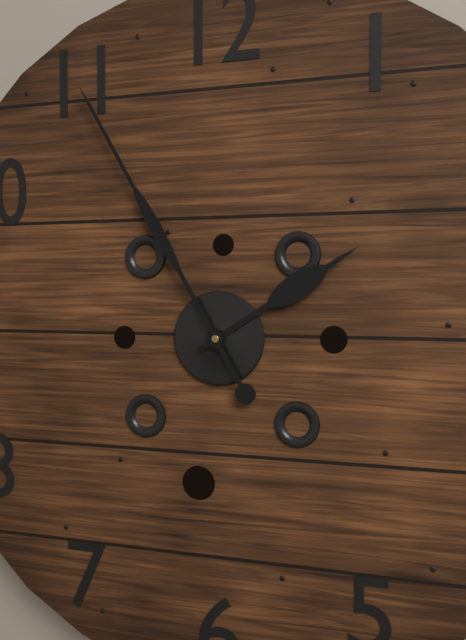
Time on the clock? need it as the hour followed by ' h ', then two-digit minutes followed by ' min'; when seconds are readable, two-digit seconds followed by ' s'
1 h 55 min
